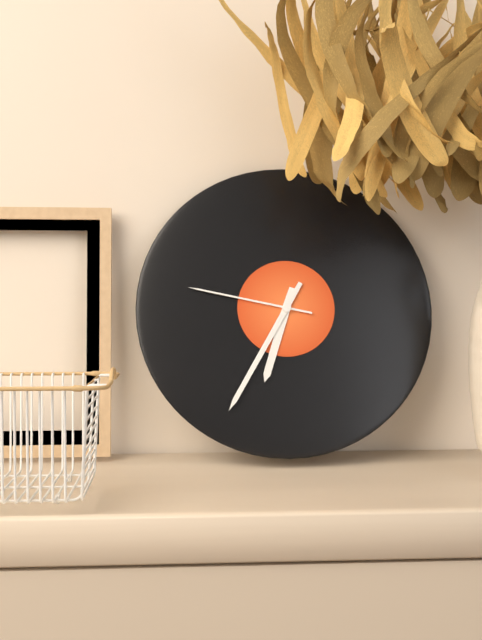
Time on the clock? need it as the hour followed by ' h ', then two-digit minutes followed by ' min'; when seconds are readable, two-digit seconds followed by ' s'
6 h 35 min 47 s
